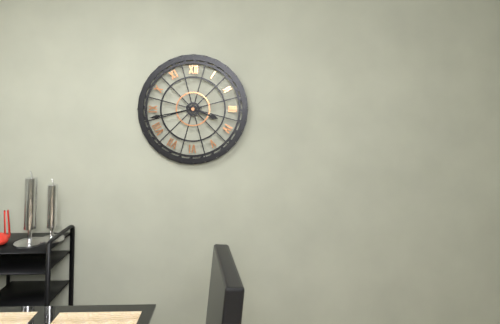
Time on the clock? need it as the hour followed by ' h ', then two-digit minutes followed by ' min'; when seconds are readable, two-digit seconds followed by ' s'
3 h 43 min
